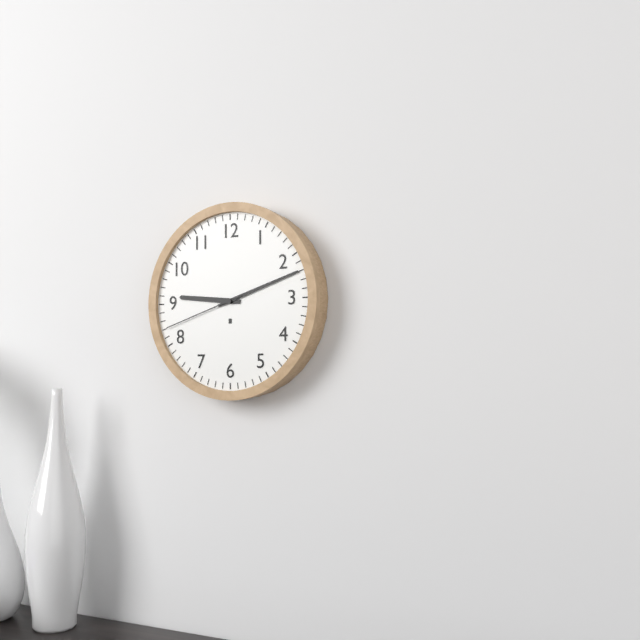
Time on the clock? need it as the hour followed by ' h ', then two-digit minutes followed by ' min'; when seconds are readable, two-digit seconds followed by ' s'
9 h 12 min 42 s
